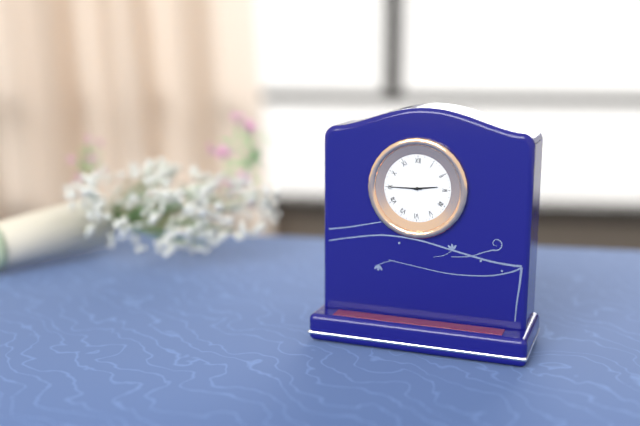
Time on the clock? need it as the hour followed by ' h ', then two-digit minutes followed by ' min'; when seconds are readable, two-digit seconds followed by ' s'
2 h 45 min
